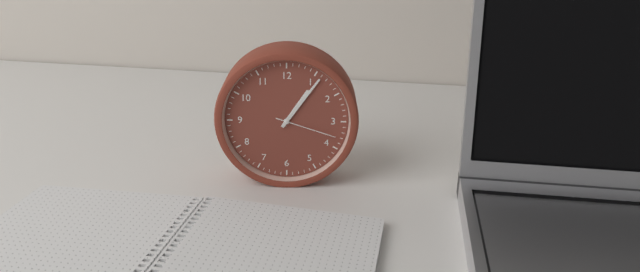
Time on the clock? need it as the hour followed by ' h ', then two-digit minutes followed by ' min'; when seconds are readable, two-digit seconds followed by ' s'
1 h 06 min 18 s
